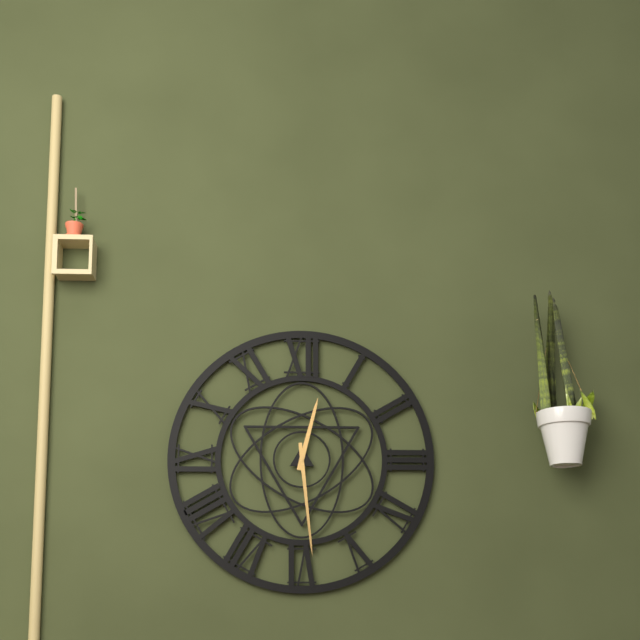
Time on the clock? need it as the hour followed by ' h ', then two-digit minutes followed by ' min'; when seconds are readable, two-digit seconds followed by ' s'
12 h 29 min
